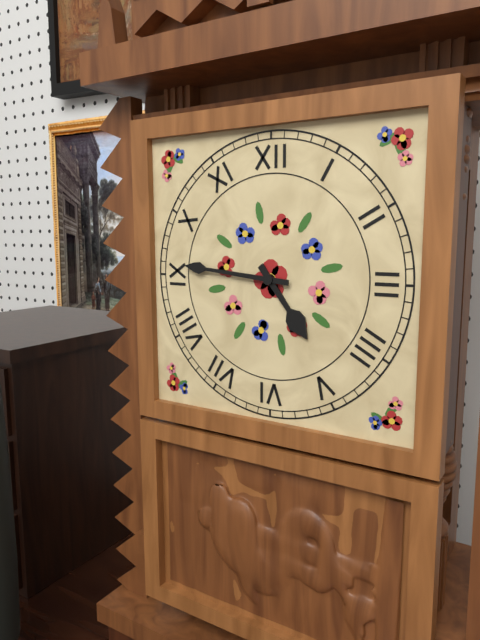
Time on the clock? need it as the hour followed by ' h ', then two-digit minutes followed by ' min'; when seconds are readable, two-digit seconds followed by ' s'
4 h 46 min
